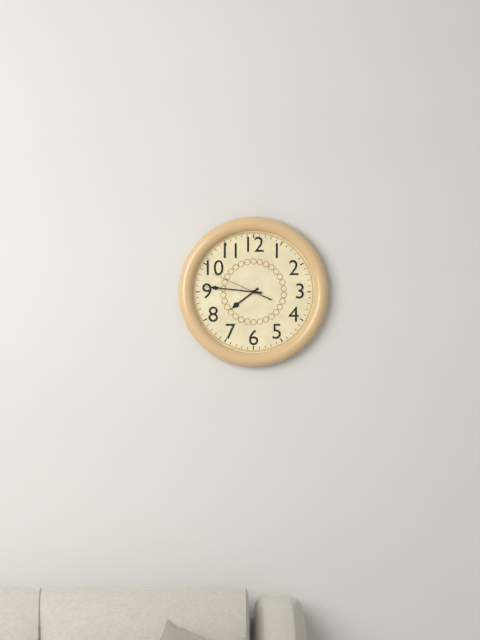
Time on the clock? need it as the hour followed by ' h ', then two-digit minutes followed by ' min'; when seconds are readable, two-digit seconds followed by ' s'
7 h 46 min 49 s
